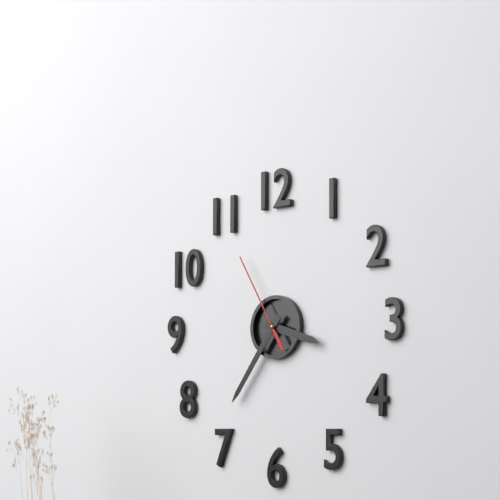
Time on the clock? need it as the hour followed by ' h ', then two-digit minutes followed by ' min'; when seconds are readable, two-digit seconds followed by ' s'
3 h 36 min 55 s
